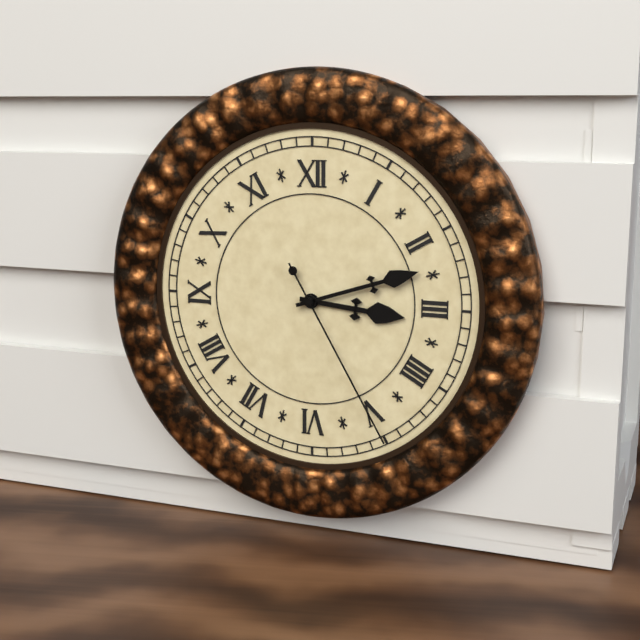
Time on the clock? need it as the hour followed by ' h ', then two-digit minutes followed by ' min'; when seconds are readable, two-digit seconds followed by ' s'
3 h 12 min 25 s
